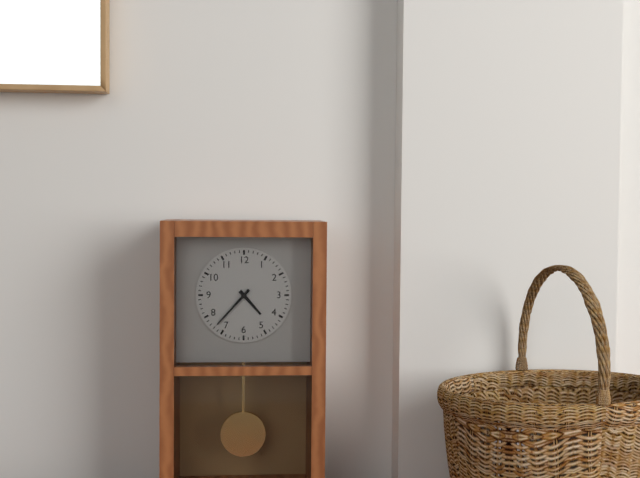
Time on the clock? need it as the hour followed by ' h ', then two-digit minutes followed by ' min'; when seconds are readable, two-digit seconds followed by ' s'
4 h 37 min
